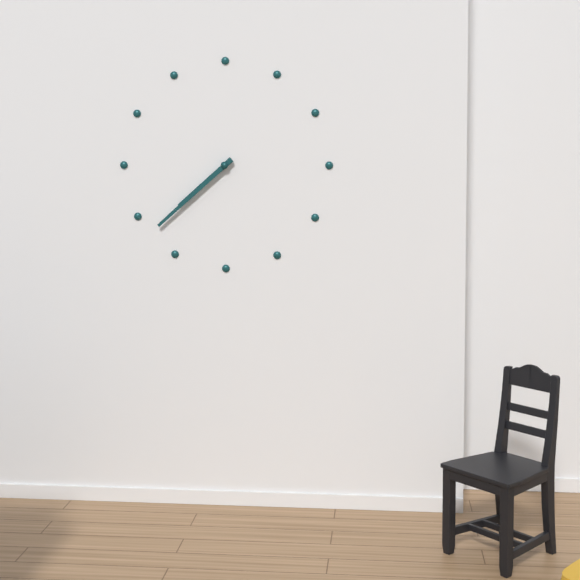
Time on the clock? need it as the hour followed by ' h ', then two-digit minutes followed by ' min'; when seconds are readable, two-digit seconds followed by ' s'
7 h 38 min
